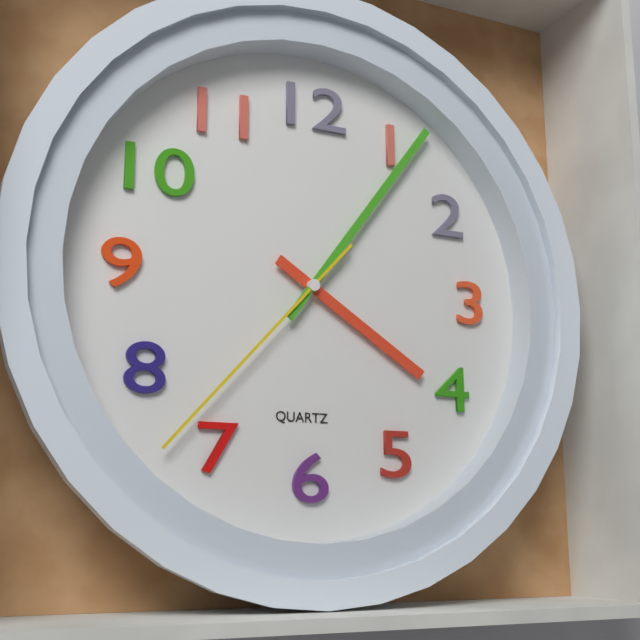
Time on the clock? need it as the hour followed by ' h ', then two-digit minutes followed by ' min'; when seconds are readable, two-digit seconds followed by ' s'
4 h 06 min 37 s
